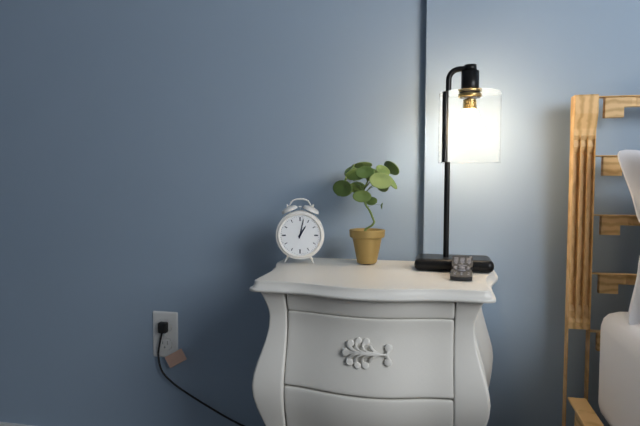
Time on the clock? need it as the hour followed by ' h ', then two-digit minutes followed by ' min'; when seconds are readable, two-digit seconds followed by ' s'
1 h 02 min
